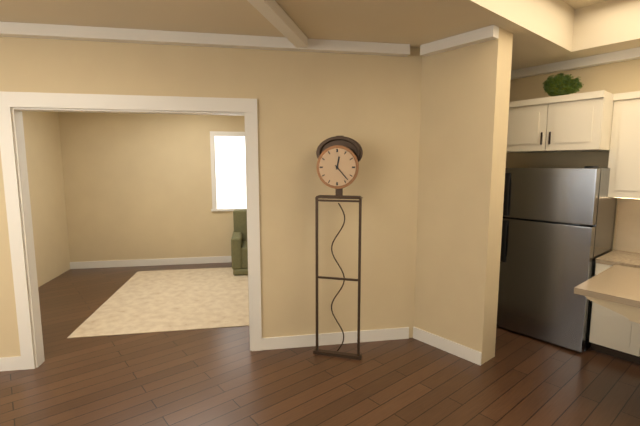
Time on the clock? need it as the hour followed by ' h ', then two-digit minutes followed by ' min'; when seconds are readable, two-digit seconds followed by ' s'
12 h 23 min
